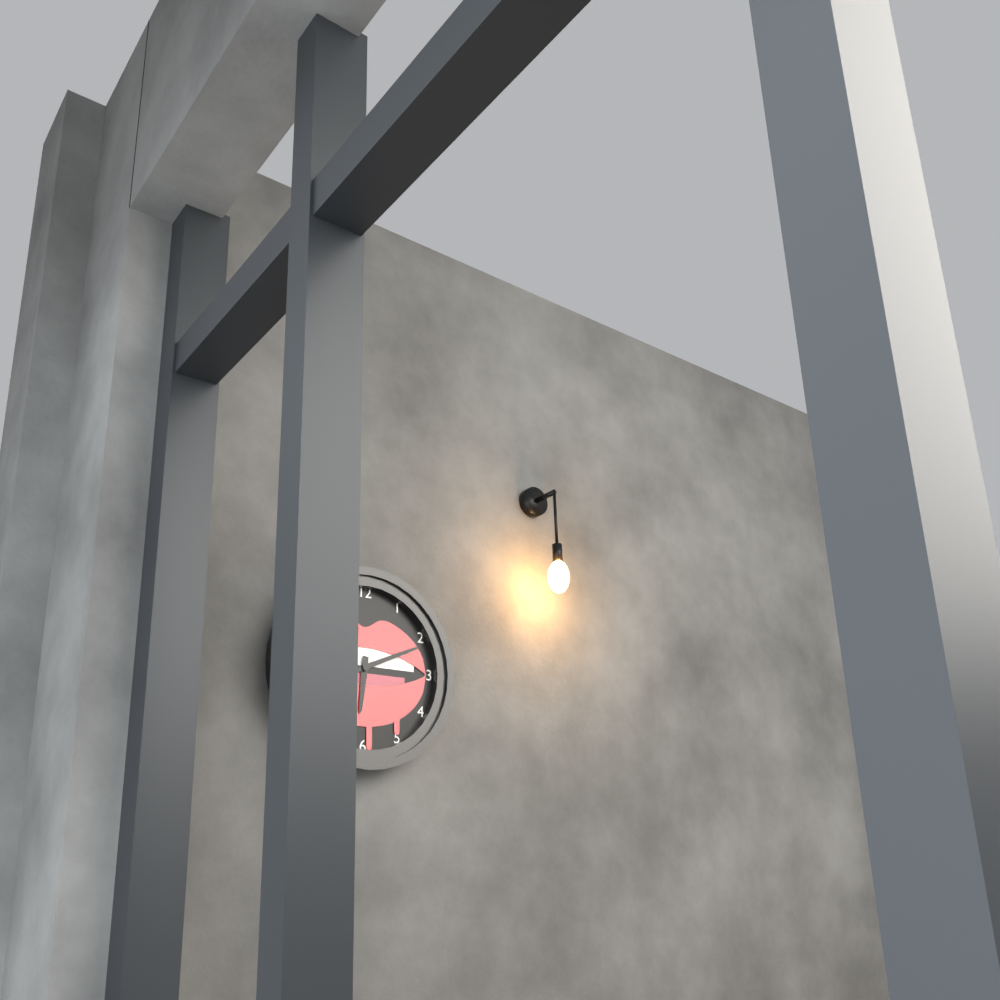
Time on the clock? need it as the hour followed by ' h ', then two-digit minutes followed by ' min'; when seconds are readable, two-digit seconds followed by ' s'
6 h 11 min
